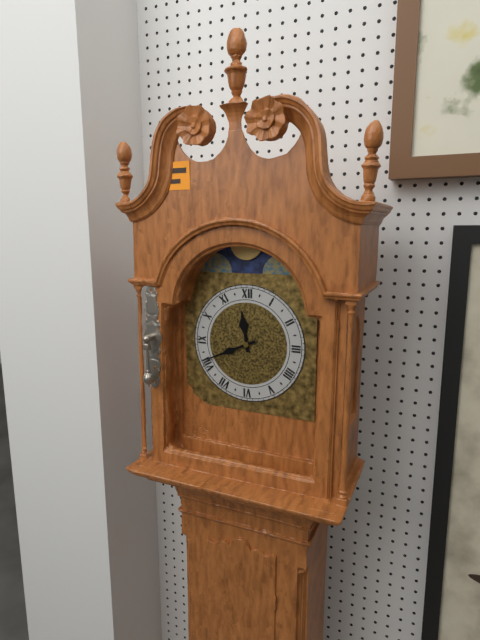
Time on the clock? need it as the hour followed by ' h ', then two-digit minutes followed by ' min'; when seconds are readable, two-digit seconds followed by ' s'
11 h 41 min
